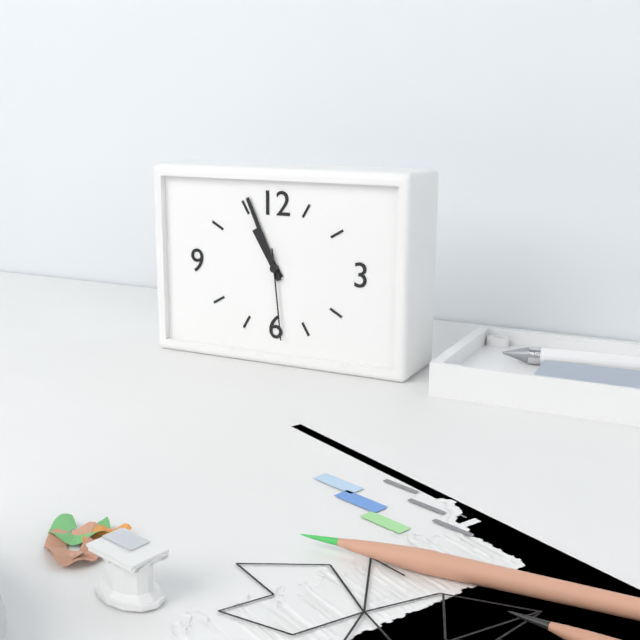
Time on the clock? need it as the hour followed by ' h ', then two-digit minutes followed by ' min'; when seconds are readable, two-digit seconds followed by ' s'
10 h 56 min 29 s
